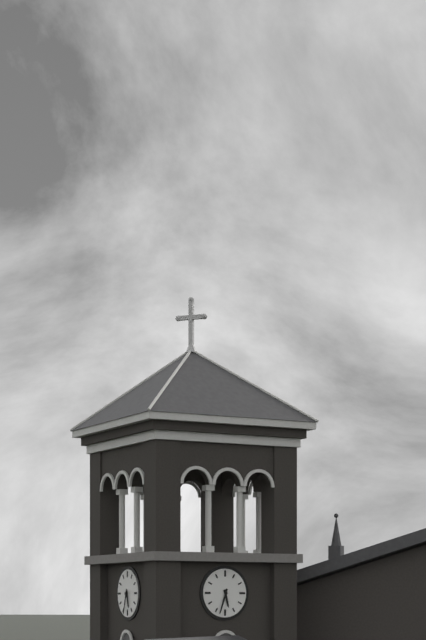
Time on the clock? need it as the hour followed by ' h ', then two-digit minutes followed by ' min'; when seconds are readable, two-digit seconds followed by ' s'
5 h 33 min
